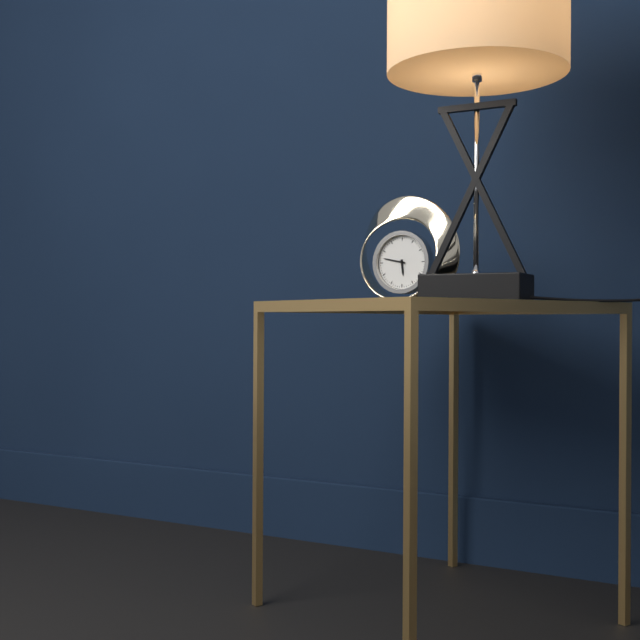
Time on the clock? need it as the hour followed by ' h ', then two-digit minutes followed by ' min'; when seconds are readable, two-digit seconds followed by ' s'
5 h 47 min
